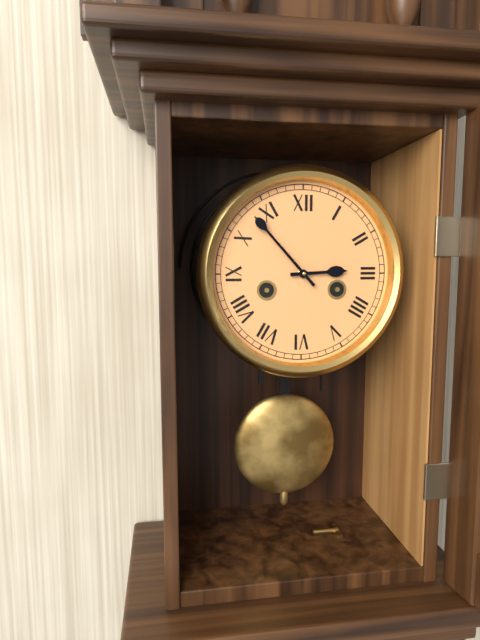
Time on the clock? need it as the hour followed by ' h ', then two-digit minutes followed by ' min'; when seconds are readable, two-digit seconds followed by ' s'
2 h 53 min
